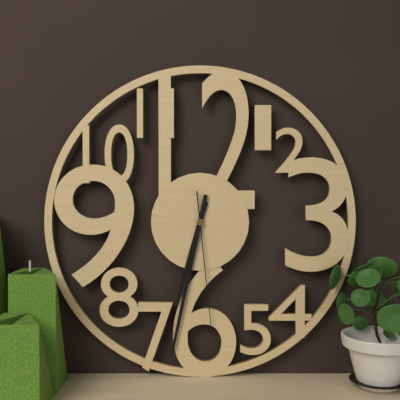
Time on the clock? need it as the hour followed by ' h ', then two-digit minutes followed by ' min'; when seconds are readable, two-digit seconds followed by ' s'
6 h 32 min 29 s
